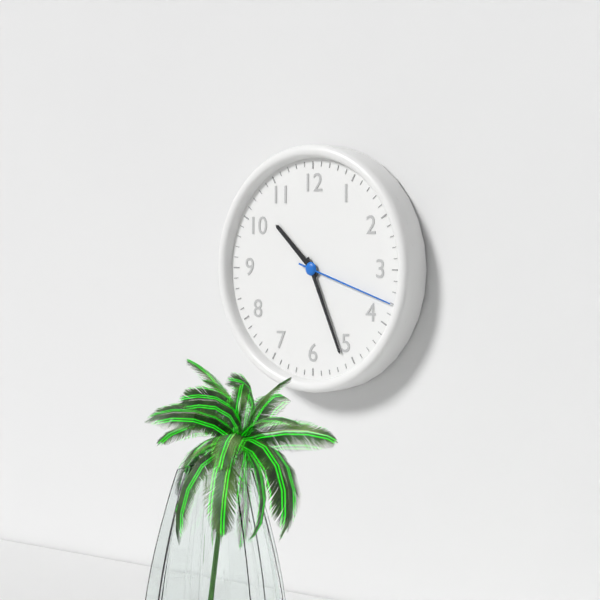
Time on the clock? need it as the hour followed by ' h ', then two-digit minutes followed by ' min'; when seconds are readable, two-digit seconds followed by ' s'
10 h 26 min 18 s
